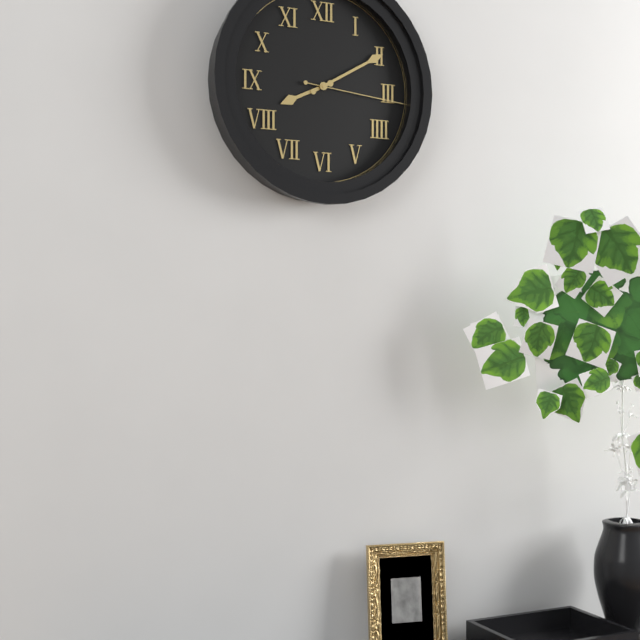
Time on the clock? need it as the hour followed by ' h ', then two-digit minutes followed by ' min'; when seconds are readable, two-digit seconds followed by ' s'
8 h 10 min 16 s
